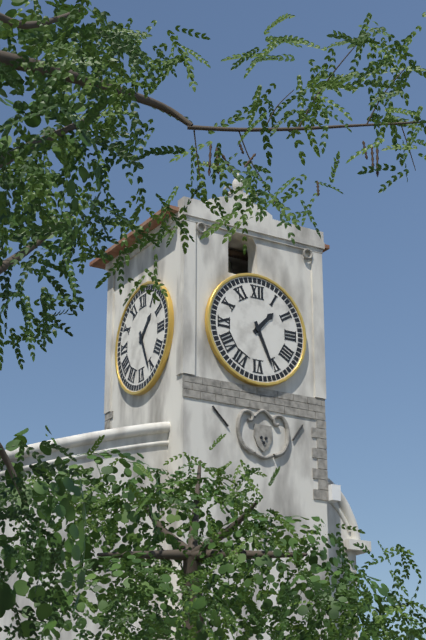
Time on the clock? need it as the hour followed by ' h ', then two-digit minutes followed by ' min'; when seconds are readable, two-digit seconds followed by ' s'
1 h 26 min
